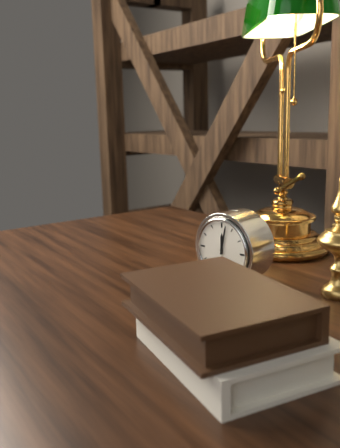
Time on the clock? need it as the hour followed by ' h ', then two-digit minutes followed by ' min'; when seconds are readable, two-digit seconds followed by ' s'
12 h 02 min
